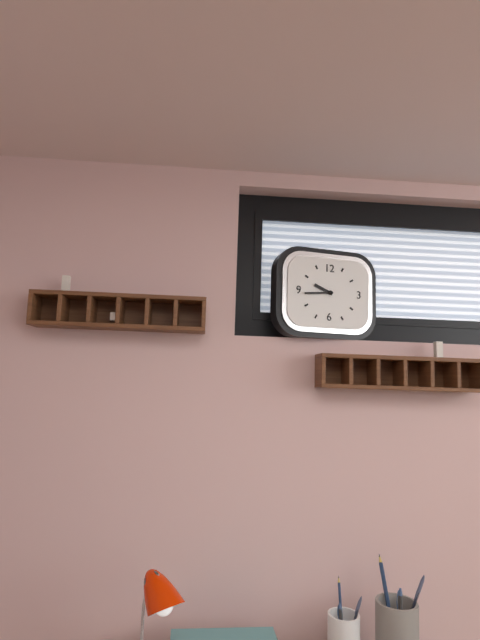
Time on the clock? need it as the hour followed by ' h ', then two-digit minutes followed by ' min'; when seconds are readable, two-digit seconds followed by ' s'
9 h 44 min
